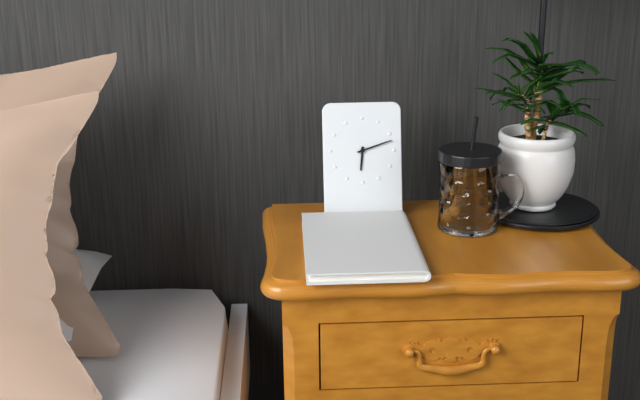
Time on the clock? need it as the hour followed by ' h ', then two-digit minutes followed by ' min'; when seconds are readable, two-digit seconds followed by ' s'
6 h 12 min
